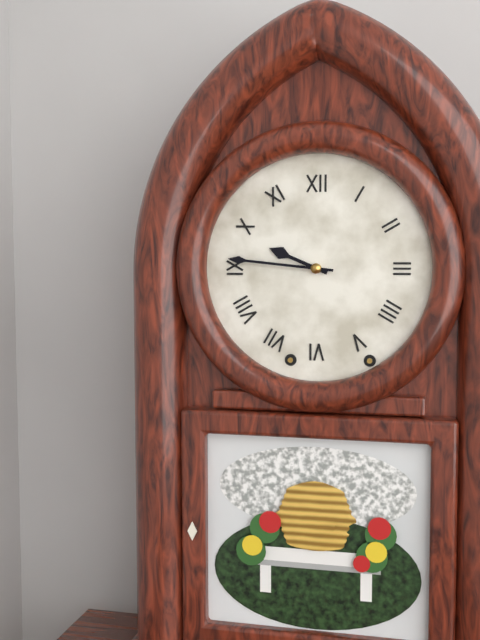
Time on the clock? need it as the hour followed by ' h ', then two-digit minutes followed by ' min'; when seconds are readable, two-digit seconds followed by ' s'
9 h 46 min
